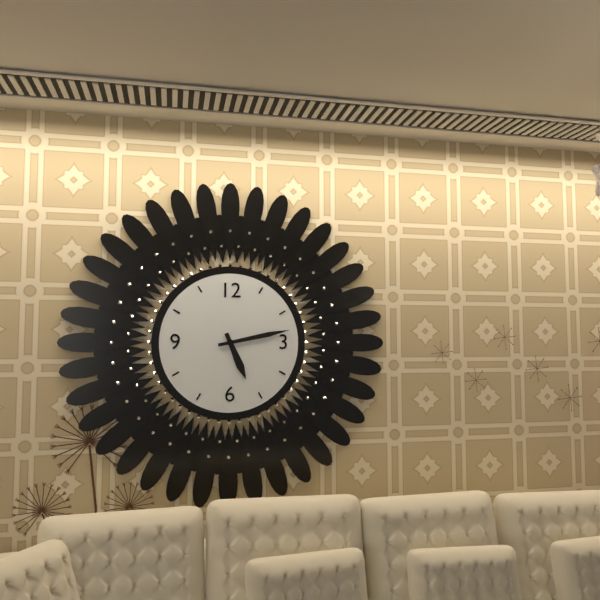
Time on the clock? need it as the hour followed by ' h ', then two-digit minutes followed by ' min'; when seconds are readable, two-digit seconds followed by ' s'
5 h 13 min
